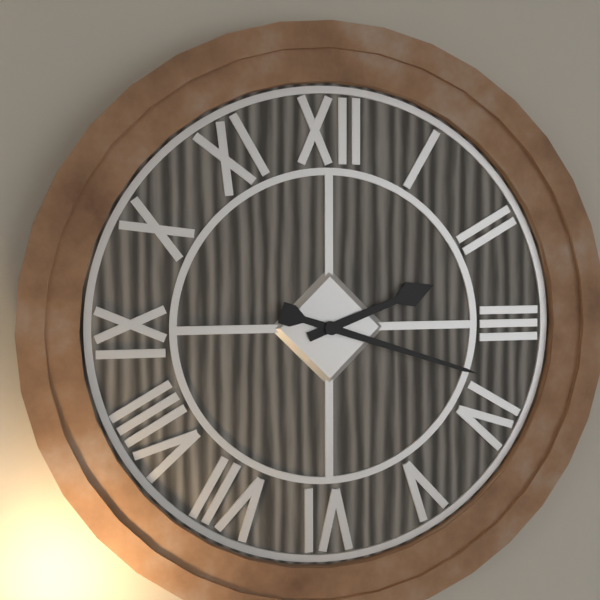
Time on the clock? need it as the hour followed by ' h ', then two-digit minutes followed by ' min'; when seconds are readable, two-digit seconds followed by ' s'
2 h 18 min
